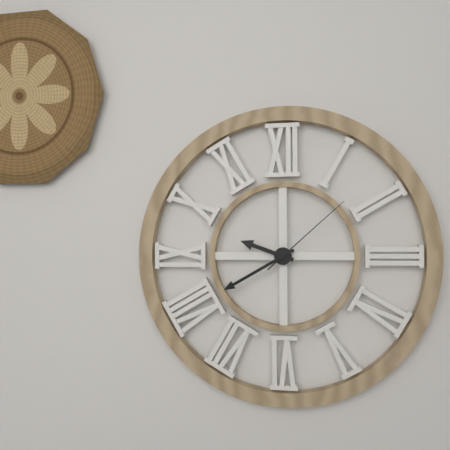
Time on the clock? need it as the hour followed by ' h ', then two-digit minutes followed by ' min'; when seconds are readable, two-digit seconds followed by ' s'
9 h 40 min 08 s
